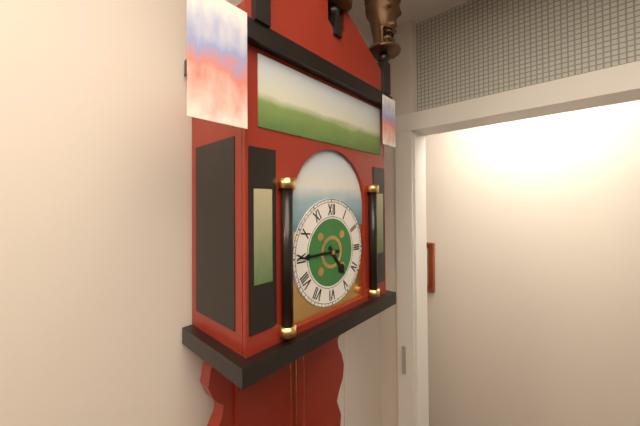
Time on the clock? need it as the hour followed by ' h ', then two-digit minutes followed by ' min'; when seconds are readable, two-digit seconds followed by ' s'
4 h 45 min
